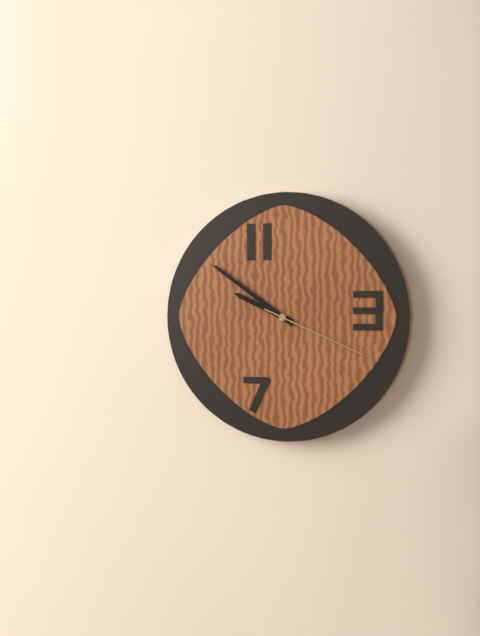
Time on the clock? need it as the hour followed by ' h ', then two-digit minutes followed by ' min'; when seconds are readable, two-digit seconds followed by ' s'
9 h 51 min 19 s
